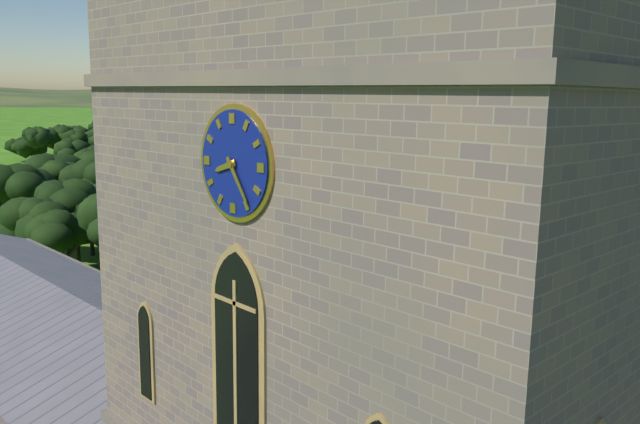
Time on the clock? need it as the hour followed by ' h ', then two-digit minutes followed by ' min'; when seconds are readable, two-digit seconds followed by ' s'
8 h 24 min
